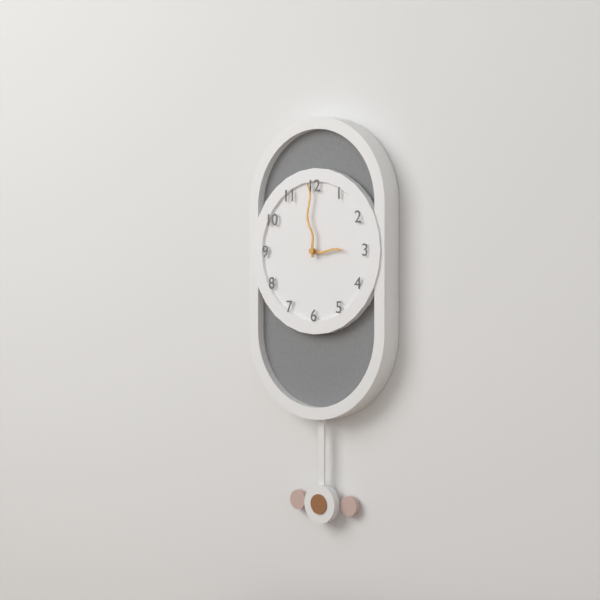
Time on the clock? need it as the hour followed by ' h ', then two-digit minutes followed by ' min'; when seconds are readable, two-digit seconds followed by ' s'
2 h 59 min
